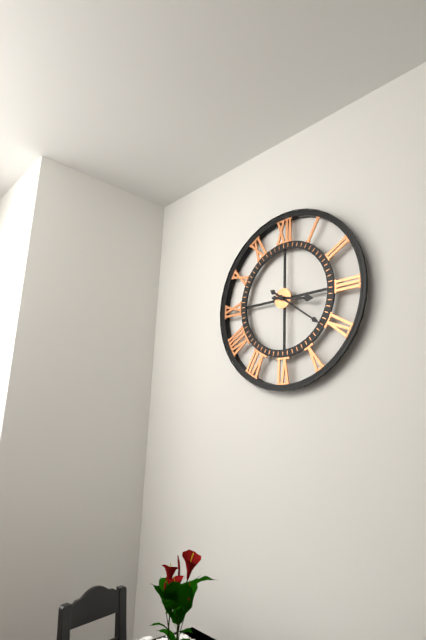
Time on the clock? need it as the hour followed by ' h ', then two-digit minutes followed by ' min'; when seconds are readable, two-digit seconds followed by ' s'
3 h 21 min
